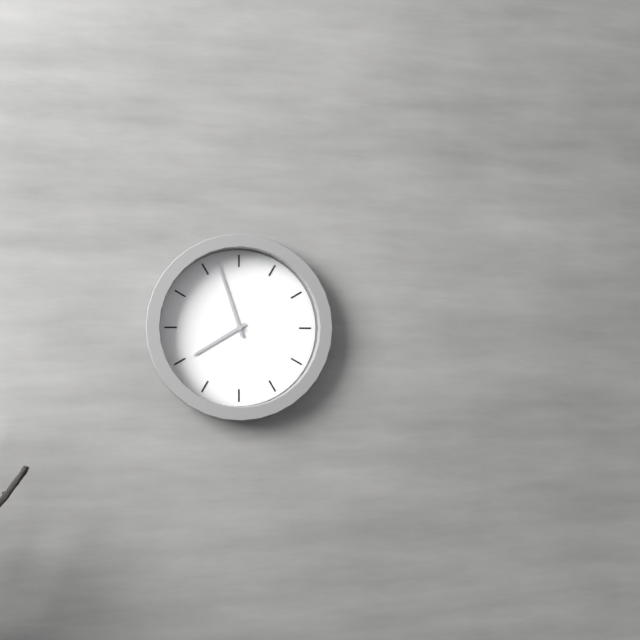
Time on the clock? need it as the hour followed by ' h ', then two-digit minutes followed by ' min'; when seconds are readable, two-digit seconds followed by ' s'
7 h 57 min
